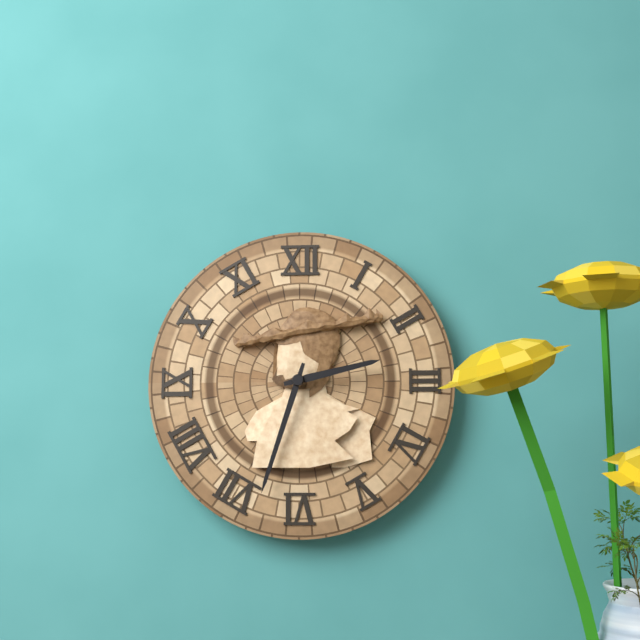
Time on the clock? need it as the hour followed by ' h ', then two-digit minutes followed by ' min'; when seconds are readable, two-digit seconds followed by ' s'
2 h 33 min
